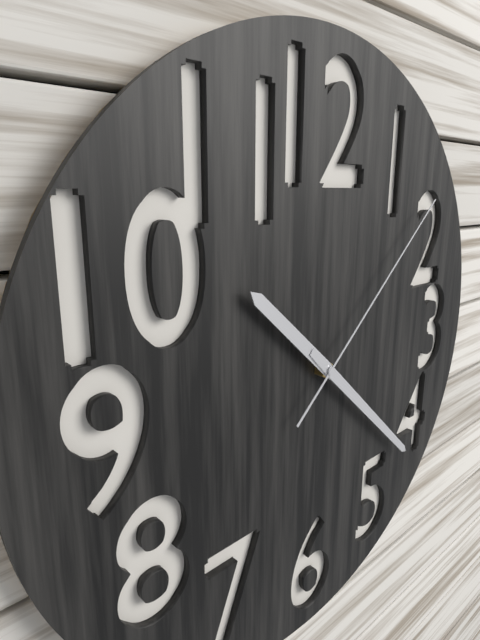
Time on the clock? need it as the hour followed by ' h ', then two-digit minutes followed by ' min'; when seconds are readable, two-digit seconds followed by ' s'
10 h 22 min 08 s
